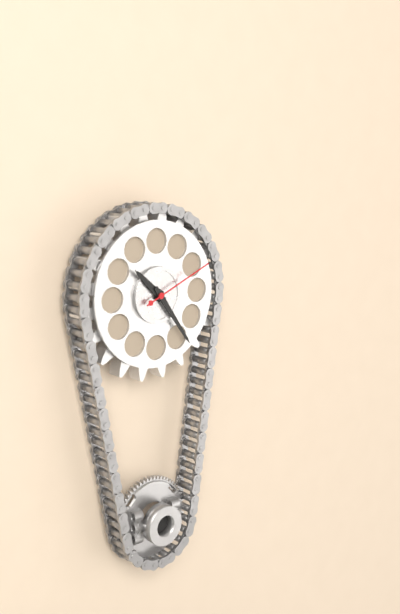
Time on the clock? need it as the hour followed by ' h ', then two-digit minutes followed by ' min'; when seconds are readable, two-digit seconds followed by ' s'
10 h 24 min 11 s
